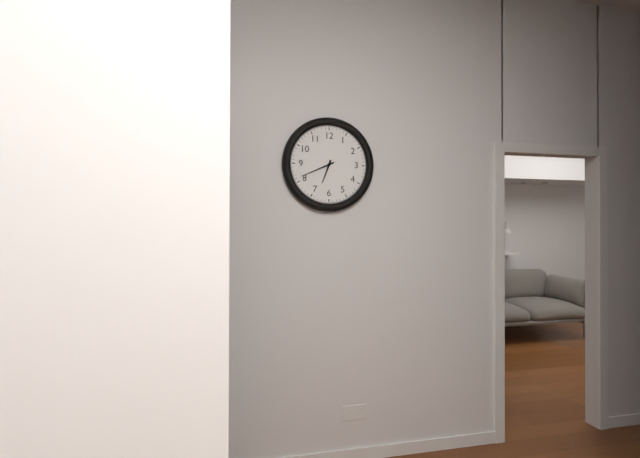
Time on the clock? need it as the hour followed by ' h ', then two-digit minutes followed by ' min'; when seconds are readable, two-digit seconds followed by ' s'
6 h 41 min
